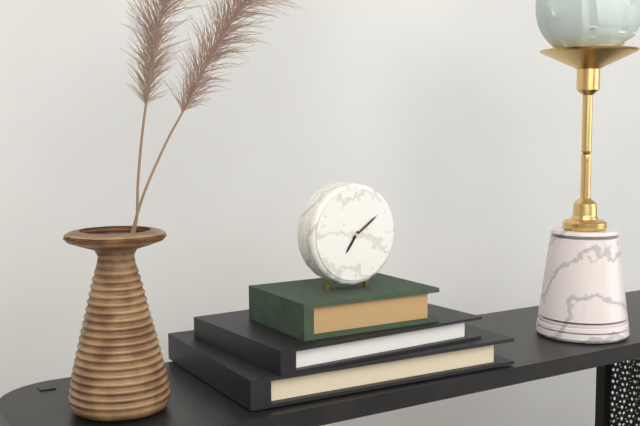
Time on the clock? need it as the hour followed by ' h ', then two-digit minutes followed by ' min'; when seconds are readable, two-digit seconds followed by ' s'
7 h 09 min
